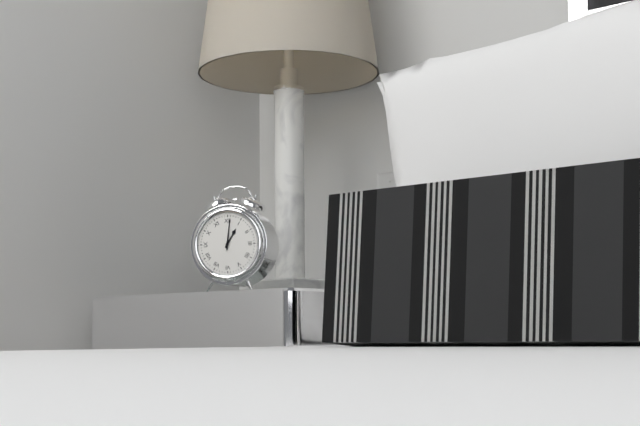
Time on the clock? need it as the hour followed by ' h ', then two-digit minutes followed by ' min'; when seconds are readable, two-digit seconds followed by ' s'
1 h 01 min
